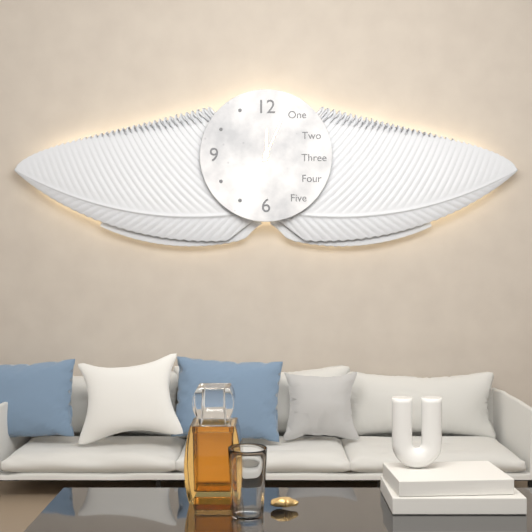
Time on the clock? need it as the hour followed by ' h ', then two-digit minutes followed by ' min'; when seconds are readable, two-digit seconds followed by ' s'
12 h 04 min
